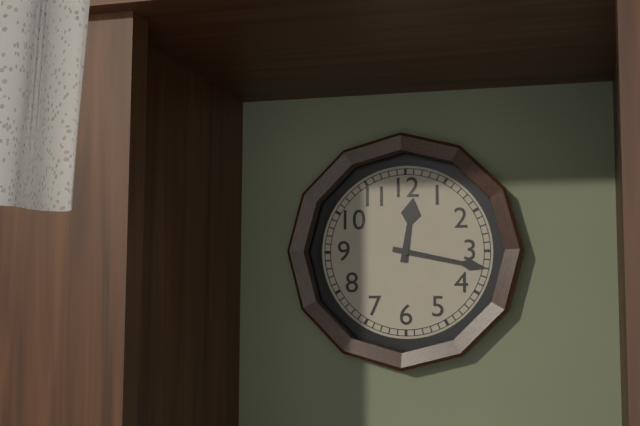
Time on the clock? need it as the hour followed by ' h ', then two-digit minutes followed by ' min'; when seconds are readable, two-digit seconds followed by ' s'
12 h 17 min
